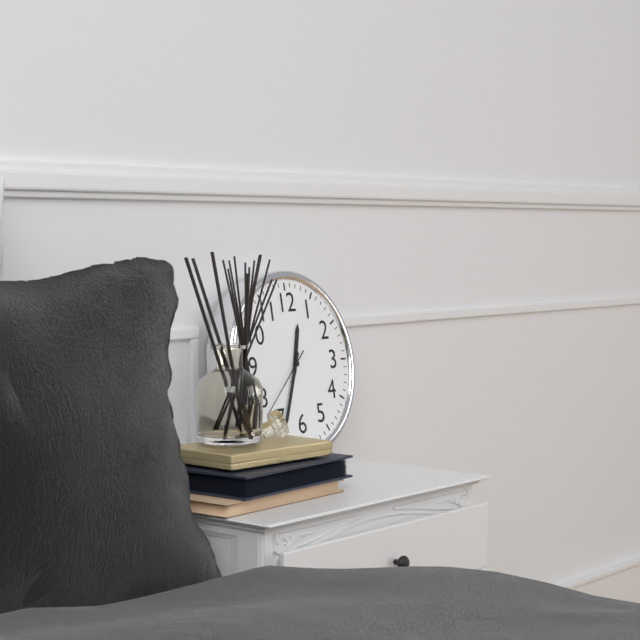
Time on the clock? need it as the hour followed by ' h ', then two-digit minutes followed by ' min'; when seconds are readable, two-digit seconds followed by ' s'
12 h 34 min 38 s
